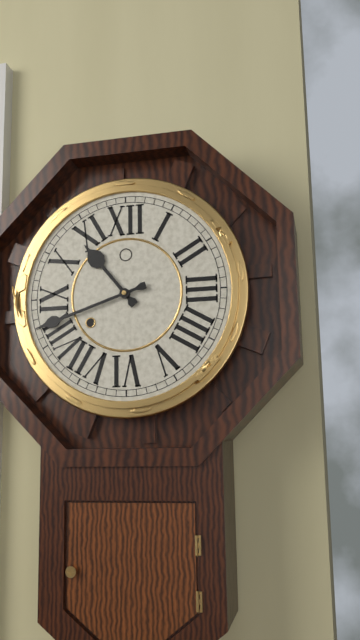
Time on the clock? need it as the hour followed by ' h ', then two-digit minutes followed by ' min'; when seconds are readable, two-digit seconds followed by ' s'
10 h 42 min
